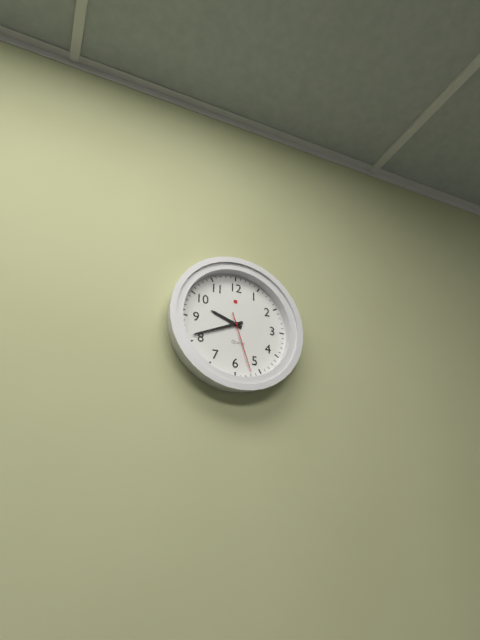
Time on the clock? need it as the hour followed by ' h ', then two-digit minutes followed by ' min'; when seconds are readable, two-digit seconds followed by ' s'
9 h 41 min 27 s
